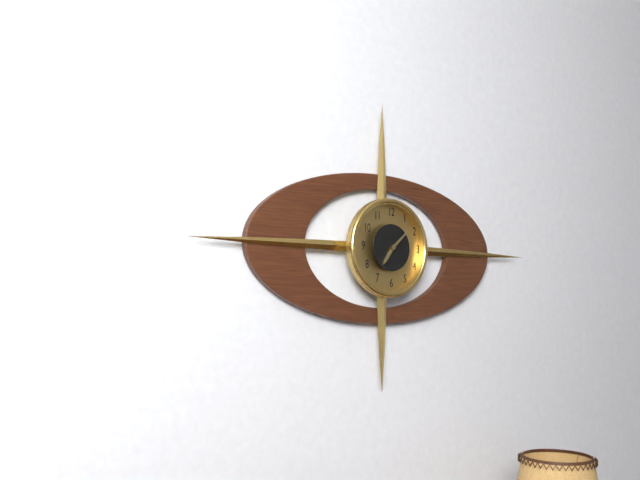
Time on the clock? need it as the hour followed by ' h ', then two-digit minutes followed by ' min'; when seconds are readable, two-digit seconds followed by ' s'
7 h 08 min
